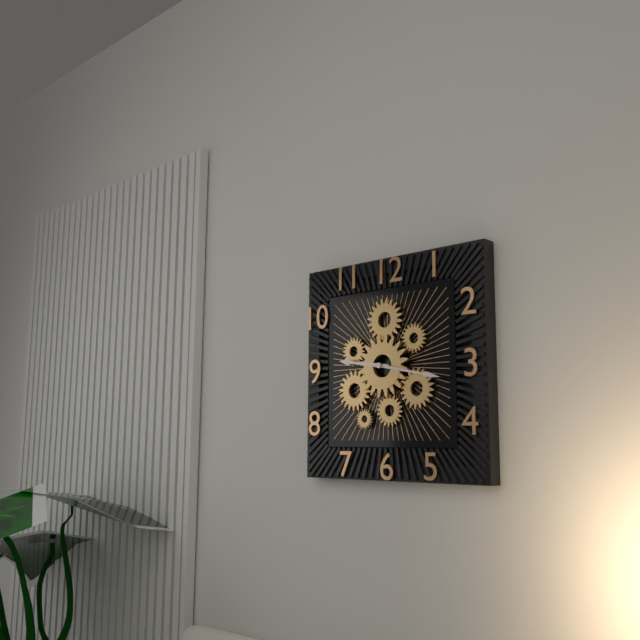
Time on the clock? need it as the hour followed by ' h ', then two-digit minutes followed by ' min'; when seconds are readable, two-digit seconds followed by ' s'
9 h 17 min
